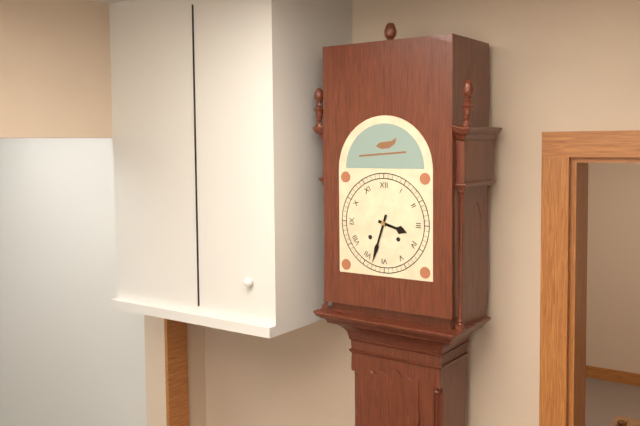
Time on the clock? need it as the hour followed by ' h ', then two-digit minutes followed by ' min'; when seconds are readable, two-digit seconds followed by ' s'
3 h 33 min
